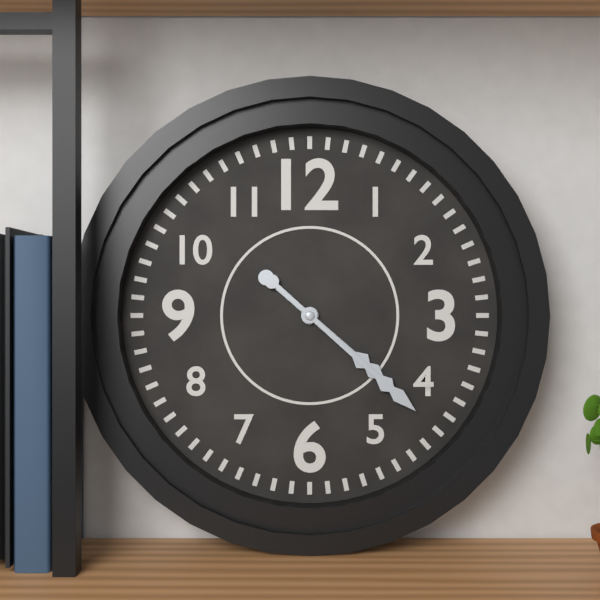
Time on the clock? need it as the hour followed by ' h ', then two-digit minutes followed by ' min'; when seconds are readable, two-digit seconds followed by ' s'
4 h 22 min
